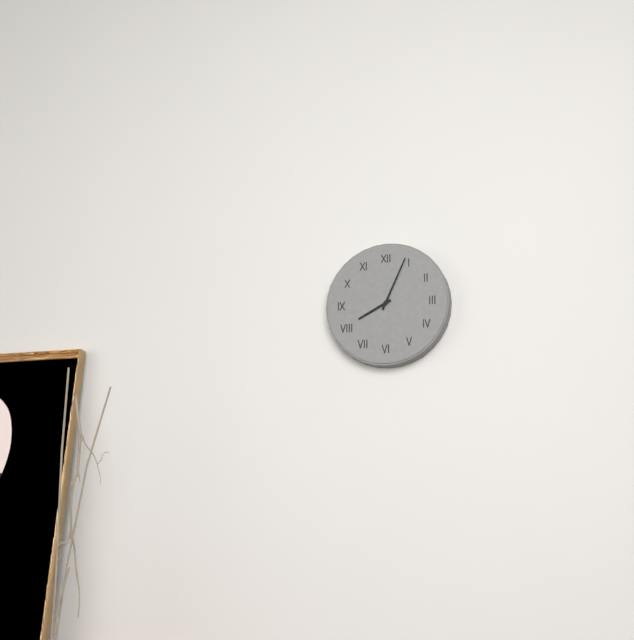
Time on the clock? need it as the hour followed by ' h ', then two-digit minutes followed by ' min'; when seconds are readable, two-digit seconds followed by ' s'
8 h 04 min
